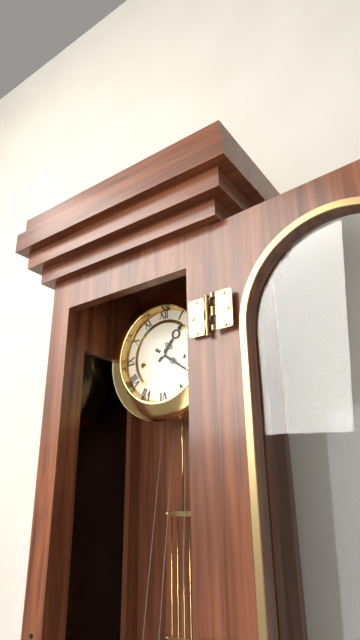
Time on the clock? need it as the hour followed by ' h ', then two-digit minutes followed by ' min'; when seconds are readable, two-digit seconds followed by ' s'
1 h 21 min
